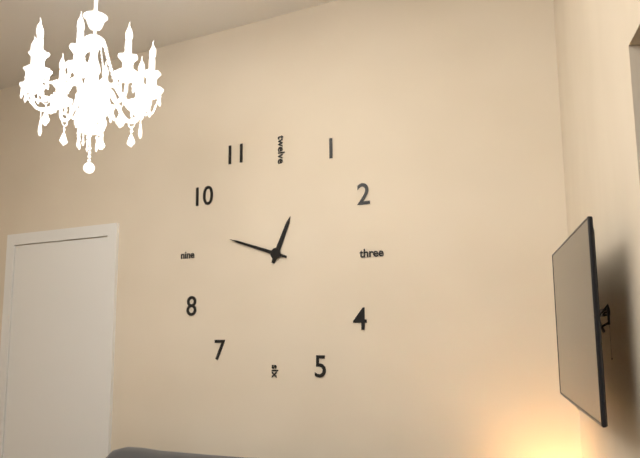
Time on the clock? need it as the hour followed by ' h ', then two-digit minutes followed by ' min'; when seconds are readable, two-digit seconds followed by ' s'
12 h 48 min
